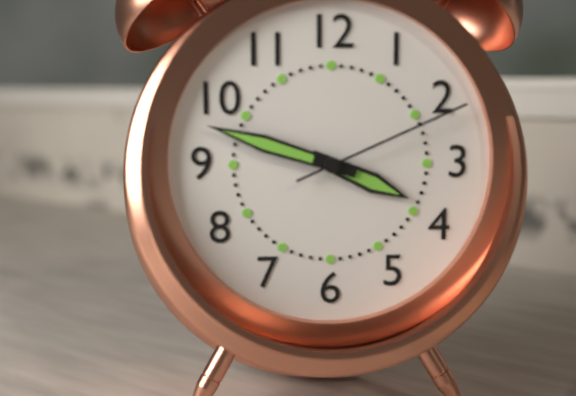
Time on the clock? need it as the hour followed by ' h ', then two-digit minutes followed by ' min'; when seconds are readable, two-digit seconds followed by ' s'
3 h 48 min 11 s
